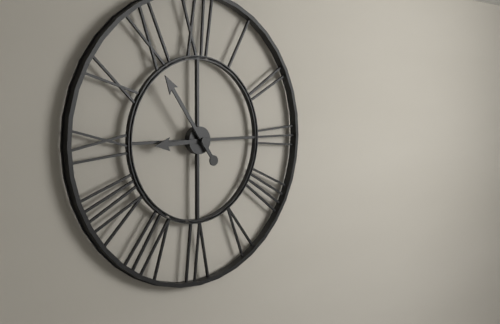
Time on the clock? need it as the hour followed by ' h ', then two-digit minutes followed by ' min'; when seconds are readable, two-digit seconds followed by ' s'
8 h 54 min
